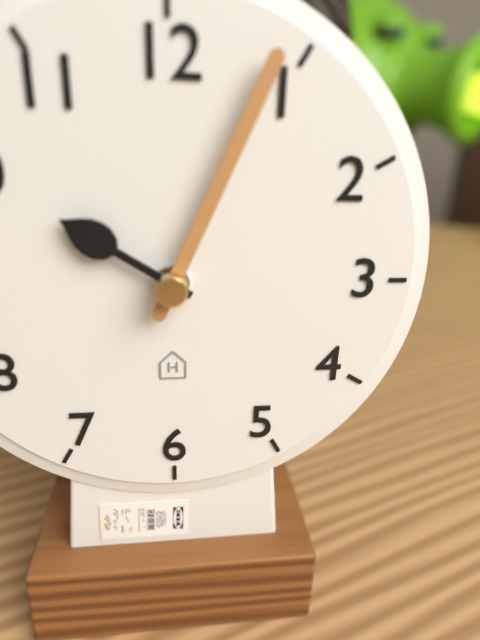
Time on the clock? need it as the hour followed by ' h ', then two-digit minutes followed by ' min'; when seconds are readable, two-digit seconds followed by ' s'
10 h 04 min
